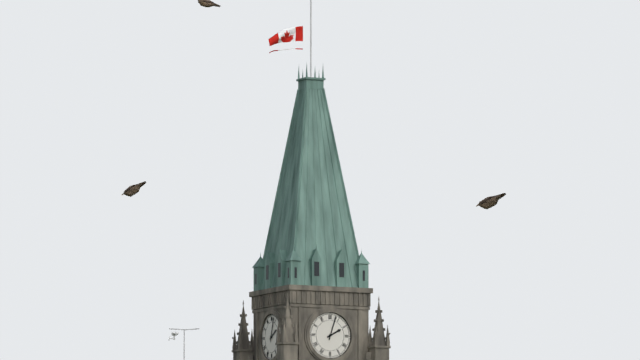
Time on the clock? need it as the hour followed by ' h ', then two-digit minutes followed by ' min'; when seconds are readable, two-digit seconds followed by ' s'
2 h 03 min
